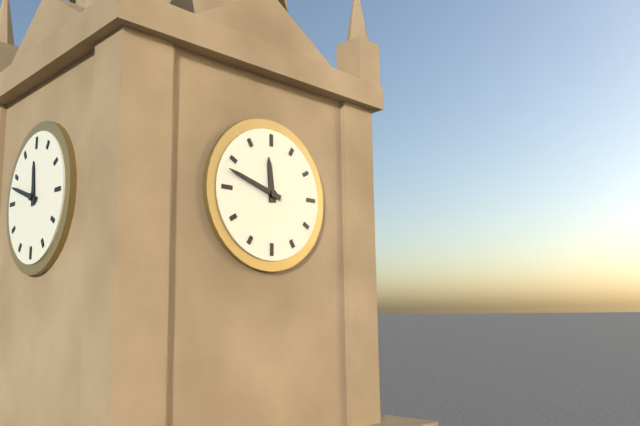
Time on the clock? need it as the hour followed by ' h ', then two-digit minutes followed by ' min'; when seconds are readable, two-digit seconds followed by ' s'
11 h 48 min
